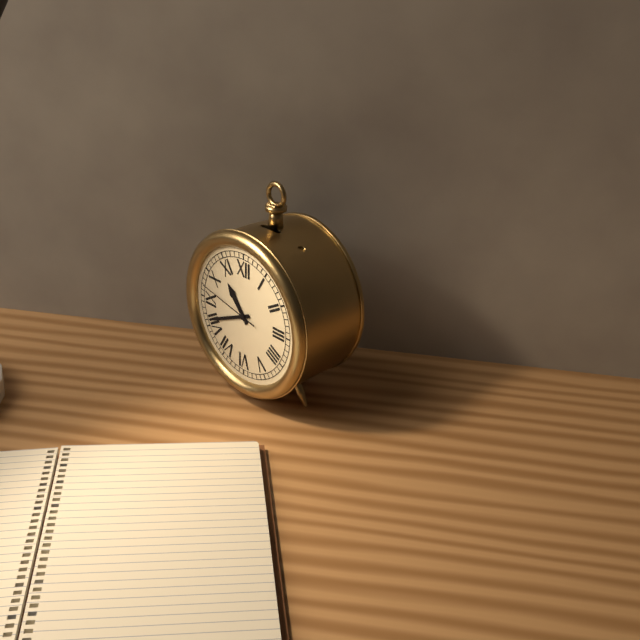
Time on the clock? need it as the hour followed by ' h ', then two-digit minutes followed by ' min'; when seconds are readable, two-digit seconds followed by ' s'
10 h 41 min 47 s
